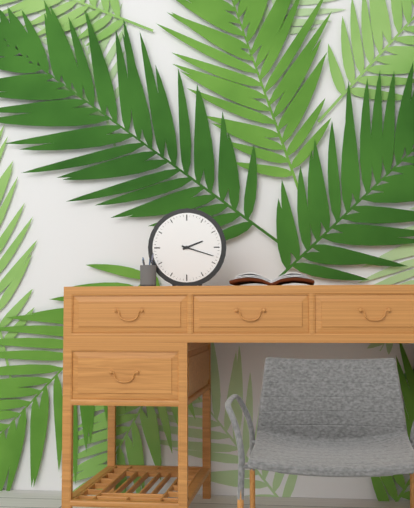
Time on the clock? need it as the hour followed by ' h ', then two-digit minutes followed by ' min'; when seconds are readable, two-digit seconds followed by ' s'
2 h 18 min
